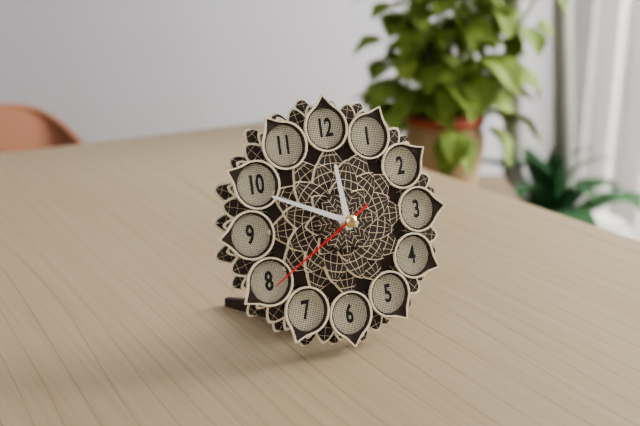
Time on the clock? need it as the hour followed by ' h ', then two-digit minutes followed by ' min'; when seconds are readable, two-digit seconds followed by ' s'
11 h 49 min 40 s
